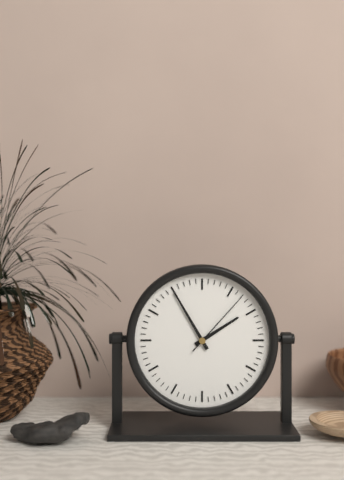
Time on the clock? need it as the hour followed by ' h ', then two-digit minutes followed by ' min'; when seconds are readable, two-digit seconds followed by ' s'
1 h 55 min 07 s
